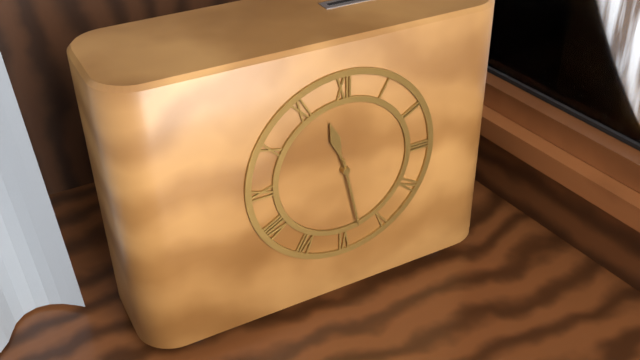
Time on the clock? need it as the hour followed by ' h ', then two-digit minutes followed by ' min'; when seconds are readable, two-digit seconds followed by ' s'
11 h 28 min
